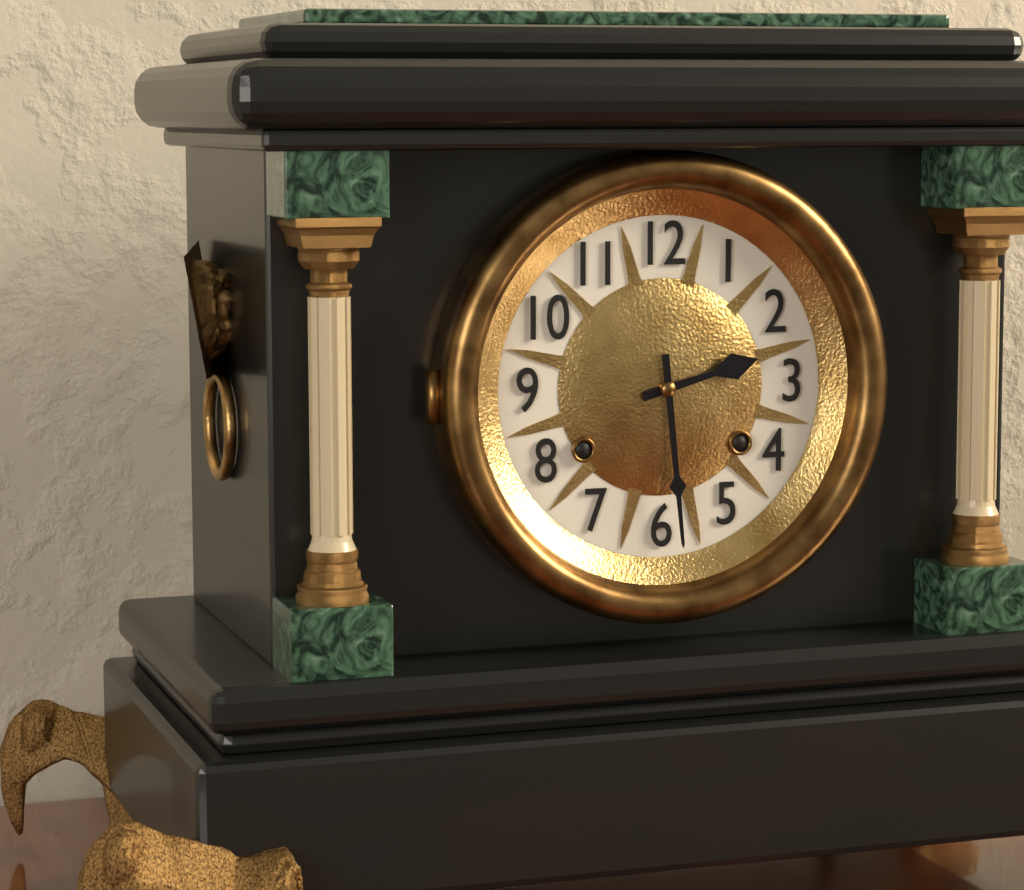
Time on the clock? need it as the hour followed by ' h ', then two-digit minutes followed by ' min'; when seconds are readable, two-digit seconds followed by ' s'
2 h 29 min
